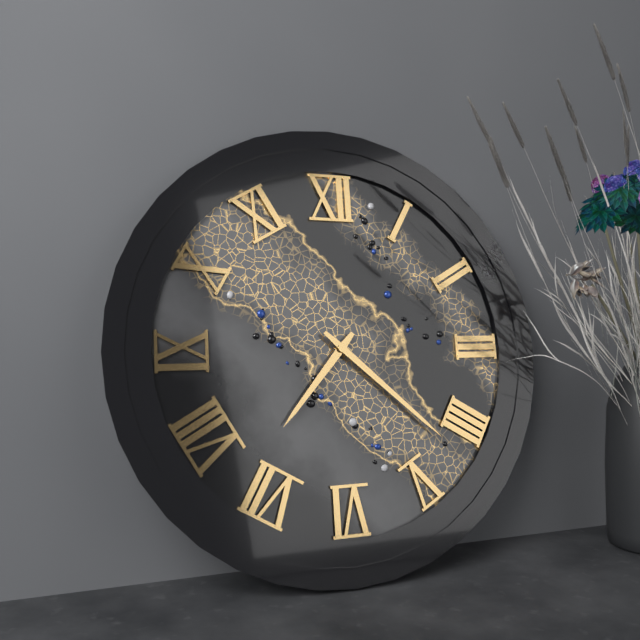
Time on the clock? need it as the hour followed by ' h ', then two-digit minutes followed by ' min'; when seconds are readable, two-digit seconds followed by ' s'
7 h 22 min
